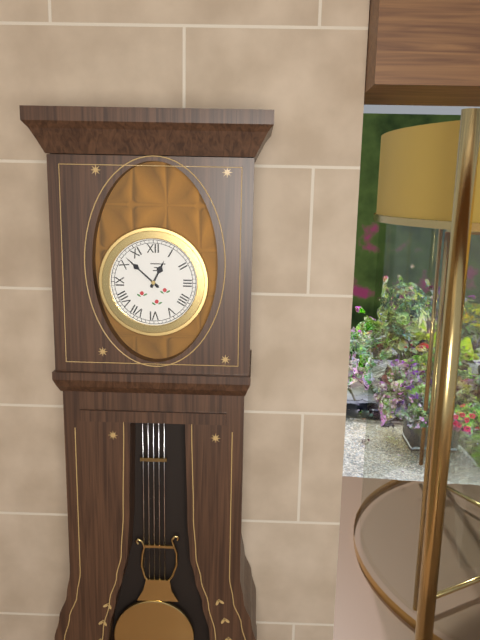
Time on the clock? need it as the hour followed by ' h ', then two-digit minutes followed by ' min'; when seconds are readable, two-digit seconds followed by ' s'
12 h 52 min
